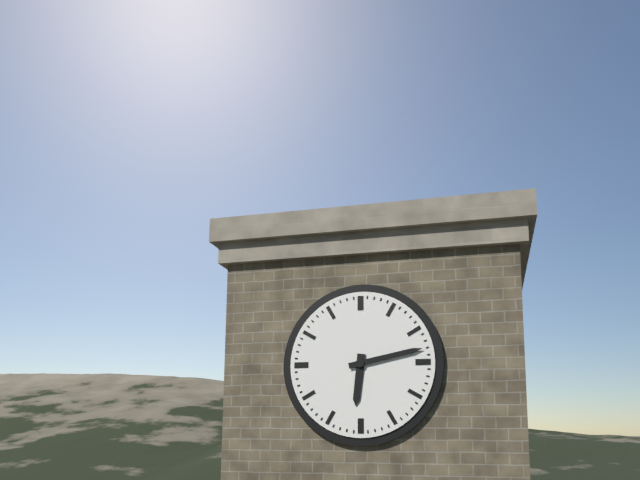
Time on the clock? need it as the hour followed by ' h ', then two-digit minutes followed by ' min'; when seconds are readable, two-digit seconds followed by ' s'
6 h 13 min
